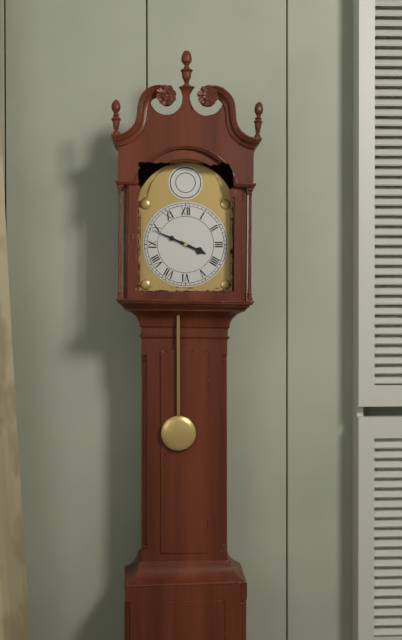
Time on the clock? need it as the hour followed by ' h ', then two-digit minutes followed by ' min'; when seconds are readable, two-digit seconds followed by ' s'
3 h 49 min
